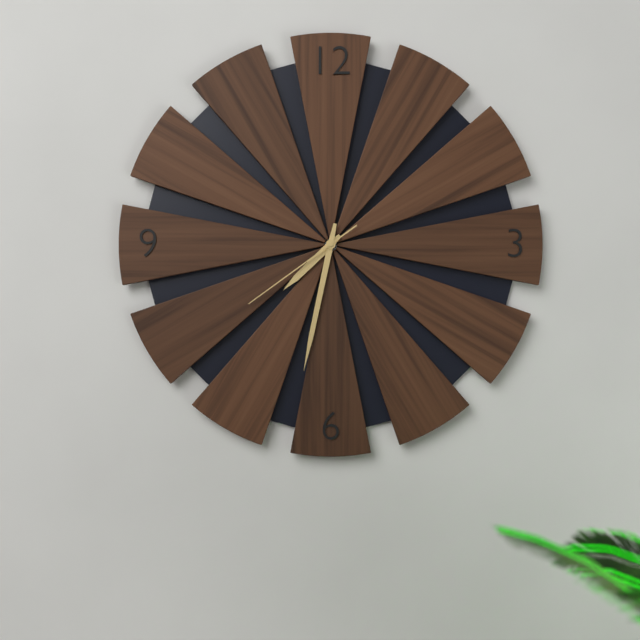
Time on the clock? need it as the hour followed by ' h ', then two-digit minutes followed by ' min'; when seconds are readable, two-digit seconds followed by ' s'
7 h 32 min 39 s
